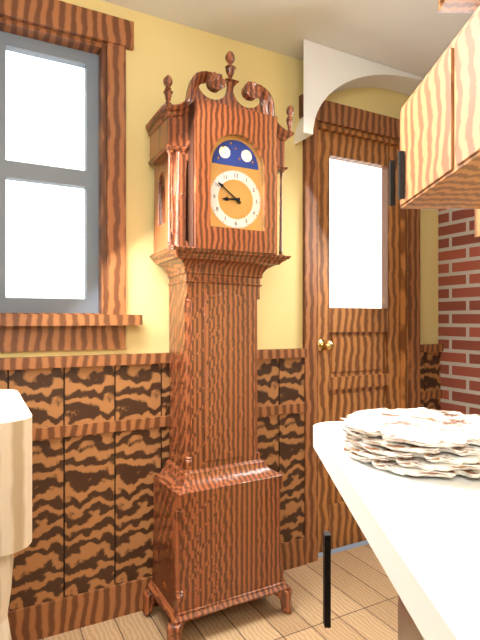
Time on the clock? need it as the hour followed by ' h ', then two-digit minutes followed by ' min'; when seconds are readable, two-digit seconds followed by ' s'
8 h 51 min
